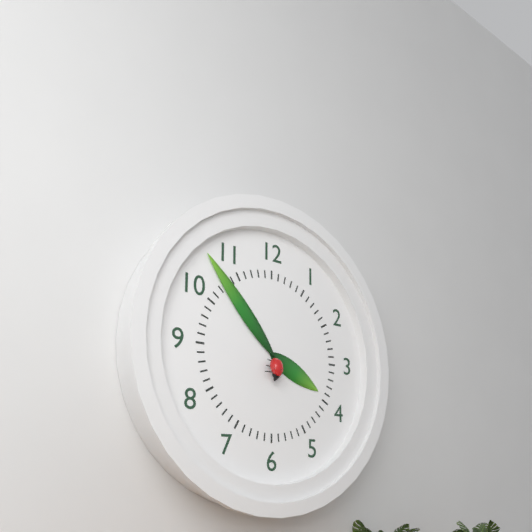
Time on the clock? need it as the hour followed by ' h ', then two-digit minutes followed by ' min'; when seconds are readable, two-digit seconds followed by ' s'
3 h 53 min
